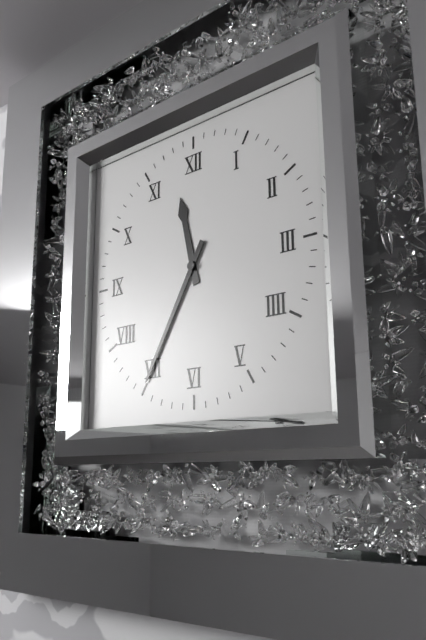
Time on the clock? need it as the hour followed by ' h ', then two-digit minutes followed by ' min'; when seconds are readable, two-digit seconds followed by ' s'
11 h 35 min
